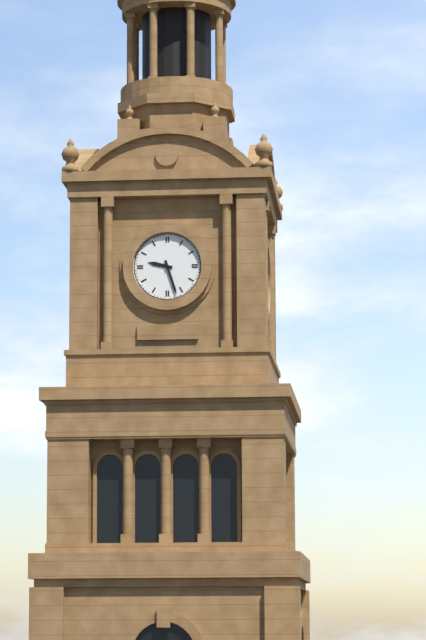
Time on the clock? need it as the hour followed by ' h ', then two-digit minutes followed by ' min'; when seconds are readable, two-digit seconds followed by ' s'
9 h 27 min
